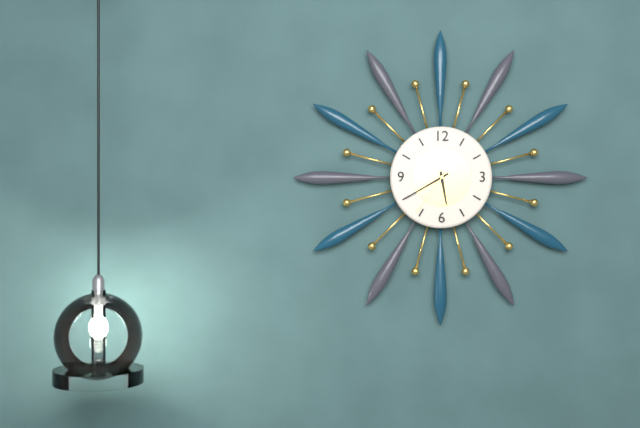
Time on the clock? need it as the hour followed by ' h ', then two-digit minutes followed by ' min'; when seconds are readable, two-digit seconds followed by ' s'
5 h 40 min 36 s
